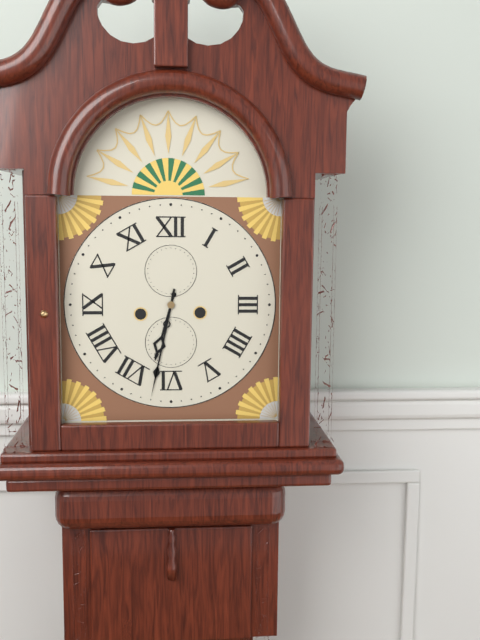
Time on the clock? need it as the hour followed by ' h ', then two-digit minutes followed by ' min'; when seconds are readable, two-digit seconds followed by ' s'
6 h 32 min
